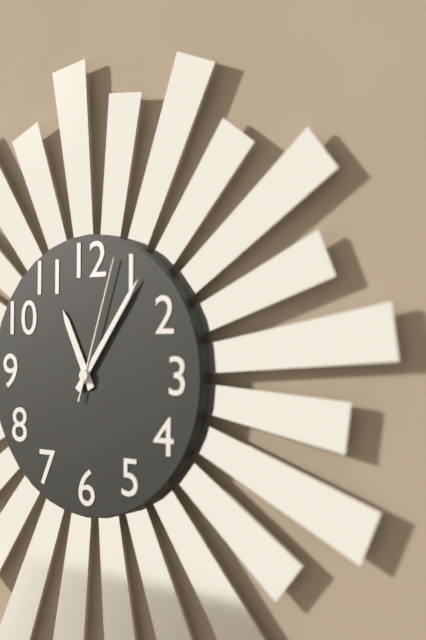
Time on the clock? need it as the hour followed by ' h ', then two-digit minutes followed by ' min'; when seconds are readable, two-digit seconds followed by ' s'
11 h 06 min 03 s
